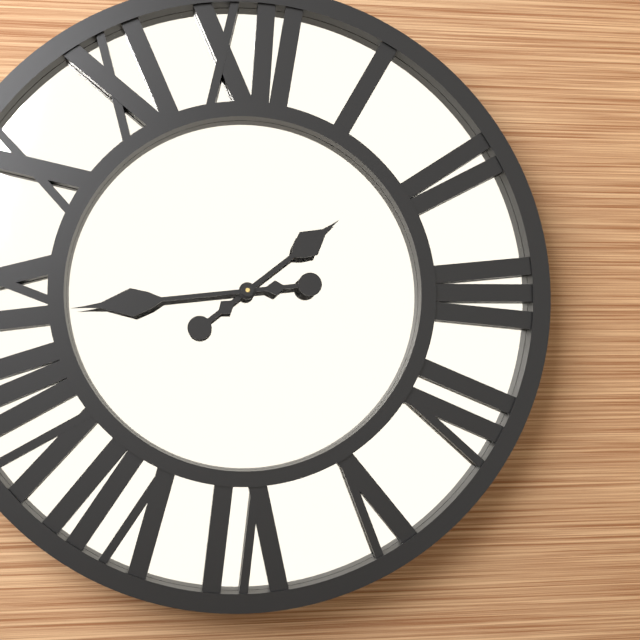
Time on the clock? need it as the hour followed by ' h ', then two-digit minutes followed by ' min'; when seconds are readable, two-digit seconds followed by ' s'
1 h 44 min
